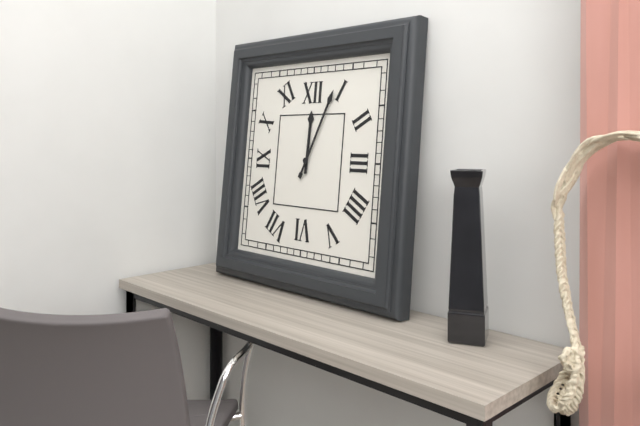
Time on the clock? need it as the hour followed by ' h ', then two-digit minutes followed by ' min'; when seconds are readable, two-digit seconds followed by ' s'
12 h 04 min
